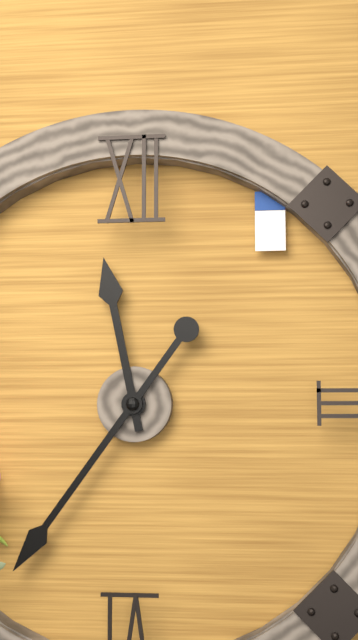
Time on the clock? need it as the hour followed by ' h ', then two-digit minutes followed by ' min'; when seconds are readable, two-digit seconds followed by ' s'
11 h 36 min
